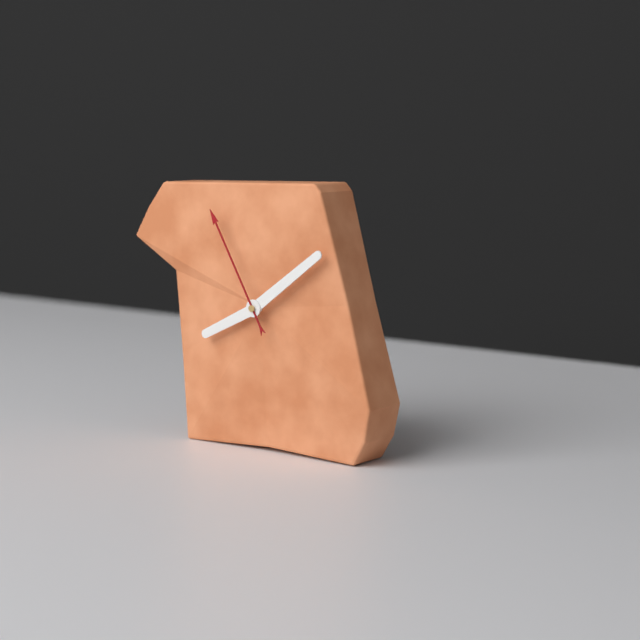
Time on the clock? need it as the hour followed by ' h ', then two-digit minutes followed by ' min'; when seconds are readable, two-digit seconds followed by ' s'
8 h 09 min 55 s
